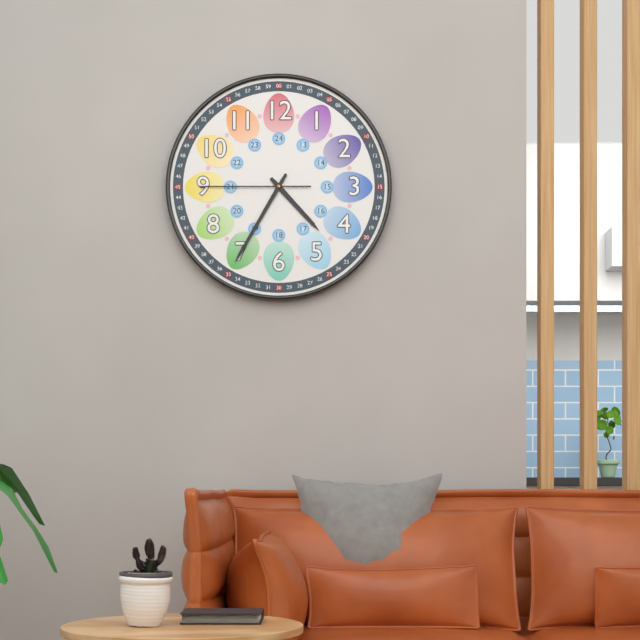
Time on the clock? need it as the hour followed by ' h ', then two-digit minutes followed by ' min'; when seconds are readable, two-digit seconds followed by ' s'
4 h 35 min 45 s
